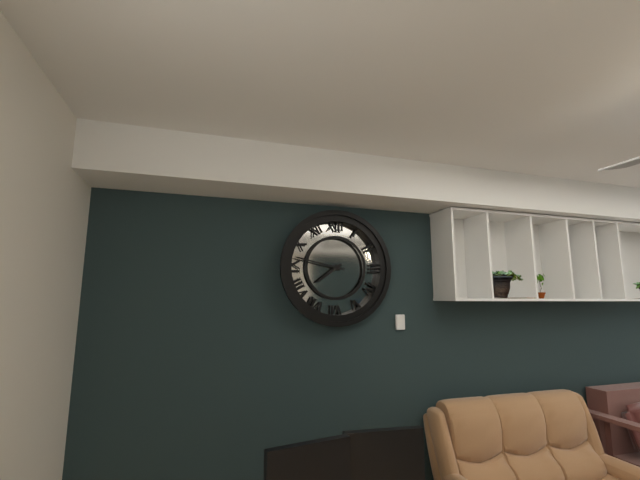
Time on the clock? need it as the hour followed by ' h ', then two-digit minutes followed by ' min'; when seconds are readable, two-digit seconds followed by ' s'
7 h 47 min
